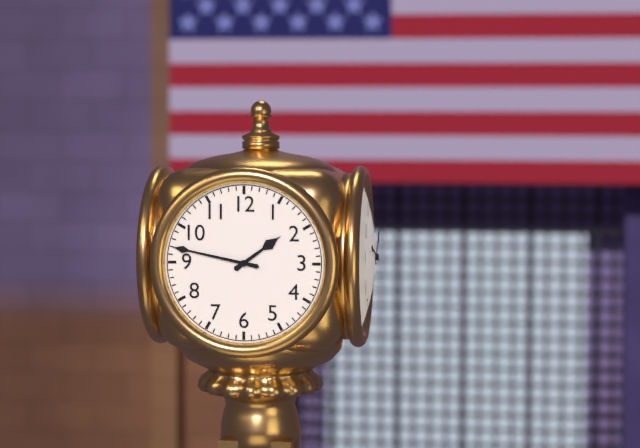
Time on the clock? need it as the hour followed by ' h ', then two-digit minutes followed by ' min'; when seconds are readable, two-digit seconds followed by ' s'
1 h 47 min
